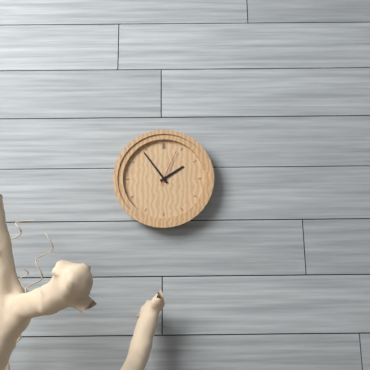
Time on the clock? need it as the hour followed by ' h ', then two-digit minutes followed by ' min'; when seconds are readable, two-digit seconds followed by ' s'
1 h 54 min
